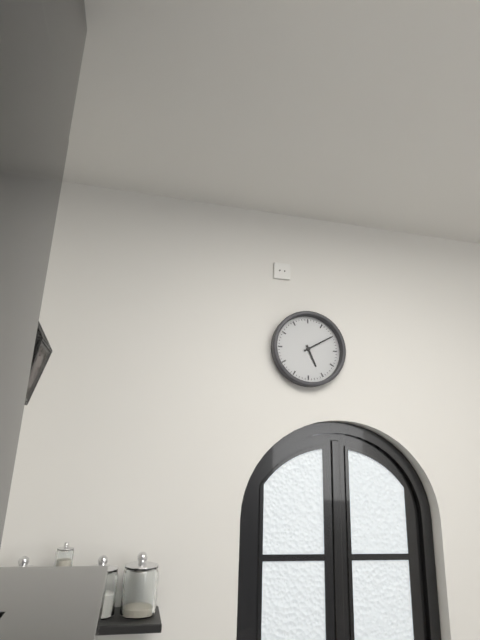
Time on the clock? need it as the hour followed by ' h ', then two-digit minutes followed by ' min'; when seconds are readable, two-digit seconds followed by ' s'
5 h 10 min
